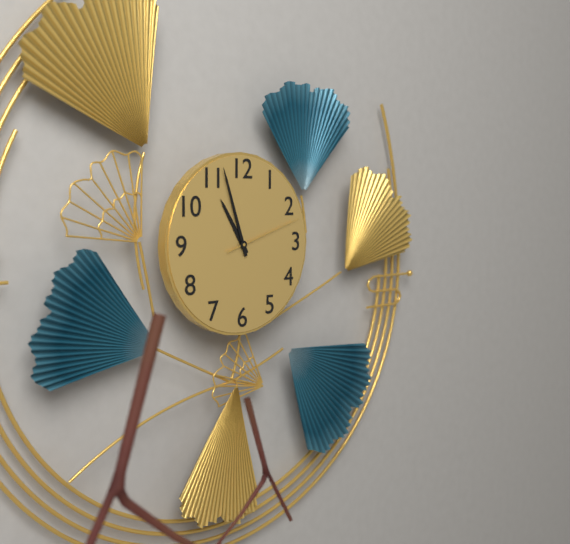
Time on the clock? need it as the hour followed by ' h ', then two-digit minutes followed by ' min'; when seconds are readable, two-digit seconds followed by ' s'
10 h 57 min 12 s
